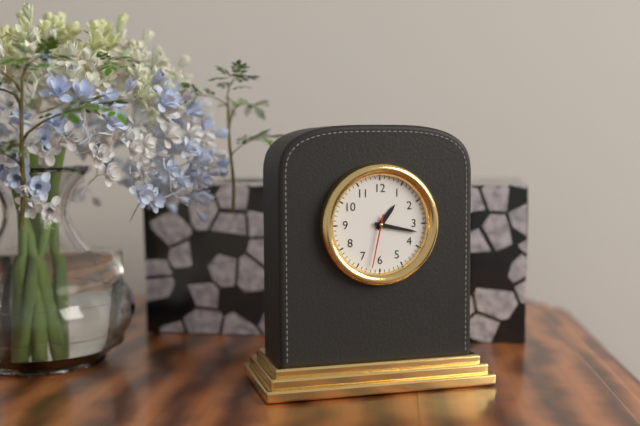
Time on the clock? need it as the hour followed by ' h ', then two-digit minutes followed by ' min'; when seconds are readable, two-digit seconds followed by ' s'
1 h 17 min 32 s
